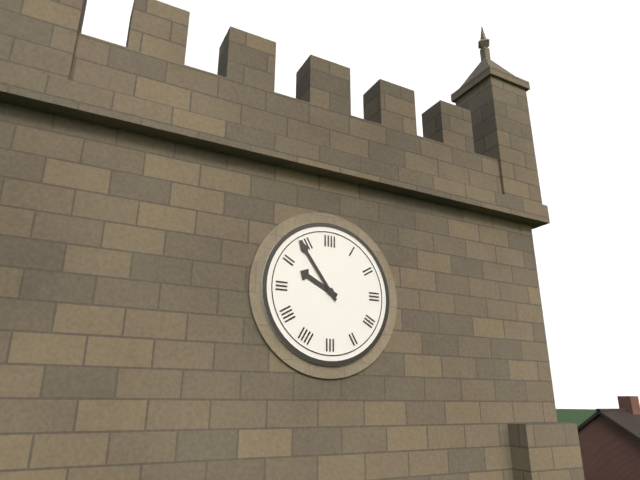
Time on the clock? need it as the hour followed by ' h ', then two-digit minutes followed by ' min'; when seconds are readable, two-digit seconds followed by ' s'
9 h 54 min
